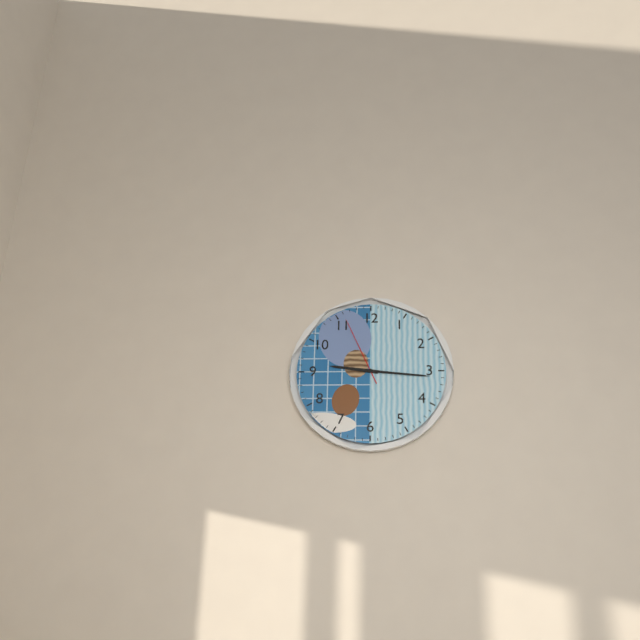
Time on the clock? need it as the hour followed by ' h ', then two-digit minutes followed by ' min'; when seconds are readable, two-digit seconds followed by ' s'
9 h 16 min 56 s
